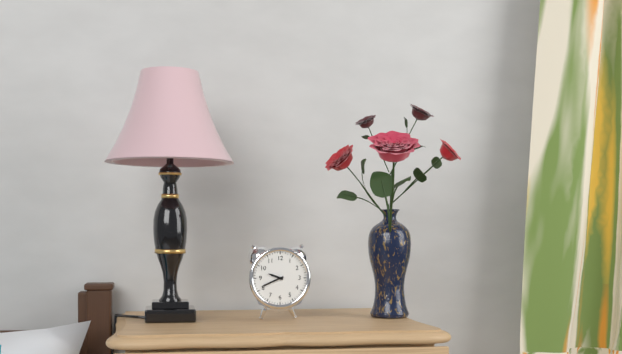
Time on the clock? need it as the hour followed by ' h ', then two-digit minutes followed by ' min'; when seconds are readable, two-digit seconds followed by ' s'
9 h 41 min
